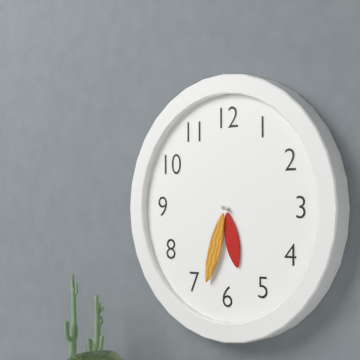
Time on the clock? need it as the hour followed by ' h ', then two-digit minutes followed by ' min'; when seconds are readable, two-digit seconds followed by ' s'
5 h 33 min
